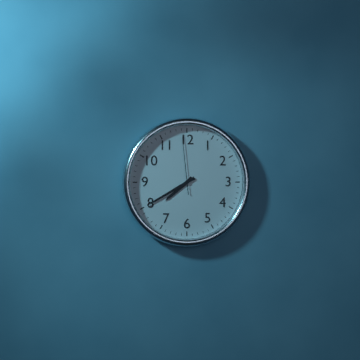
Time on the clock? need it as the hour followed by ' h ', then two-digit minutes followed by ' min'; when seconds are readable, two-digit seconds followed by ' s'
7 h 40 min 59 s
